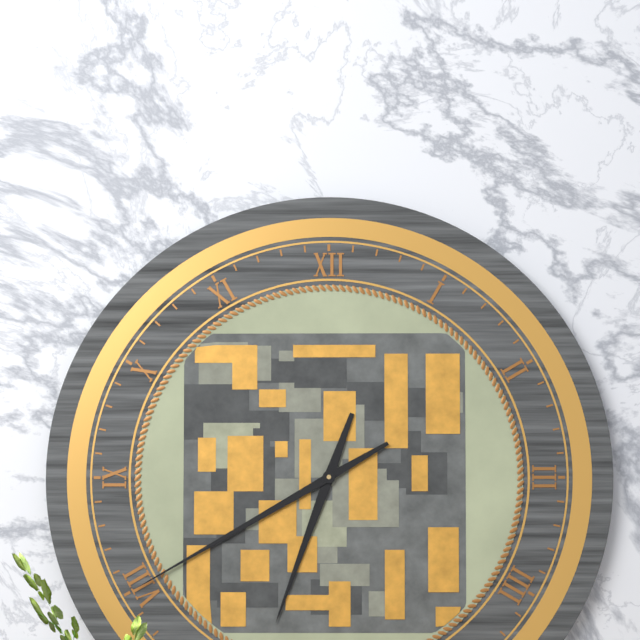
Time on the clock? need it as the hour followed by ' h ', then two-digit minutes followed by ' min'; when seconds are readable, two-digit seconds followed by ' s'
6 h 40 min
